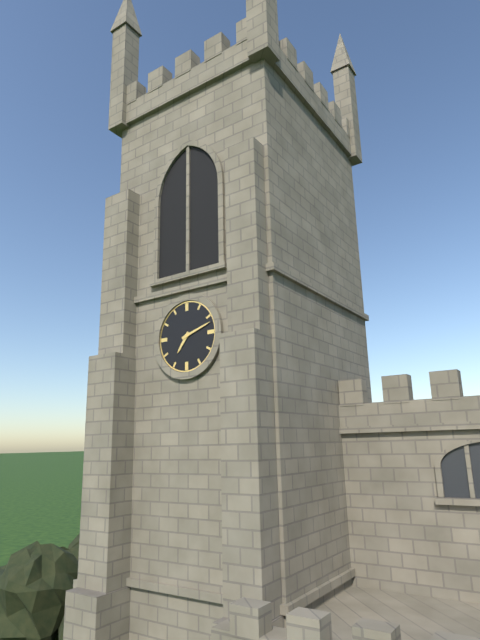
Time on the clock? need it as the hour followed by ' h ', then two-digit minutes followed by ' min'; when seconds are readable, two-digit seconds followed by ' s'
7 h 12 min
